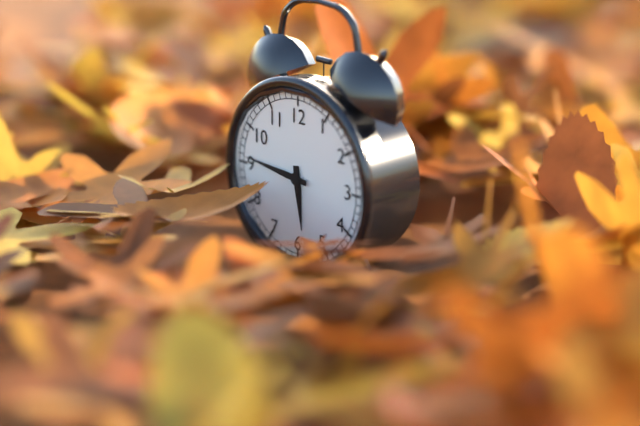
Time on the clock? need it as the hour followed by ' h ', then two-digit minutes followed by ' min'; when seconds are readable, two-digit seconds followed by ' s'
5 h 46 min
